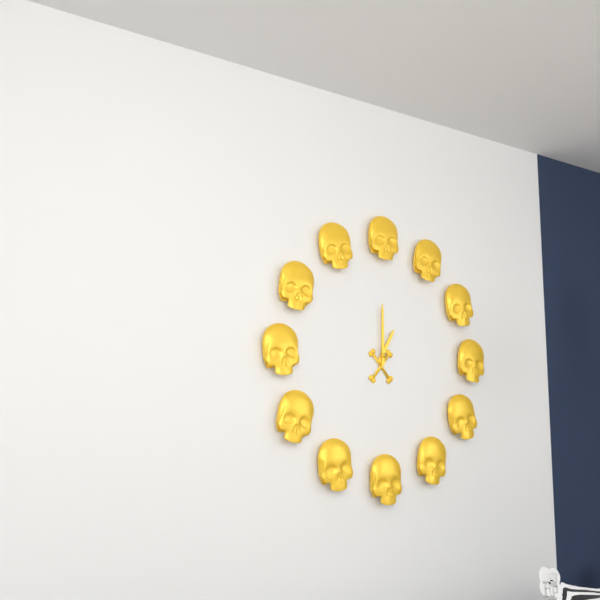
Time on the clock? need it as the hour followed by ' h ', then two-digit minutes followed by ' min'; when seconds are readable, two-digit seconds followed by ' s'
1 h 00 min
